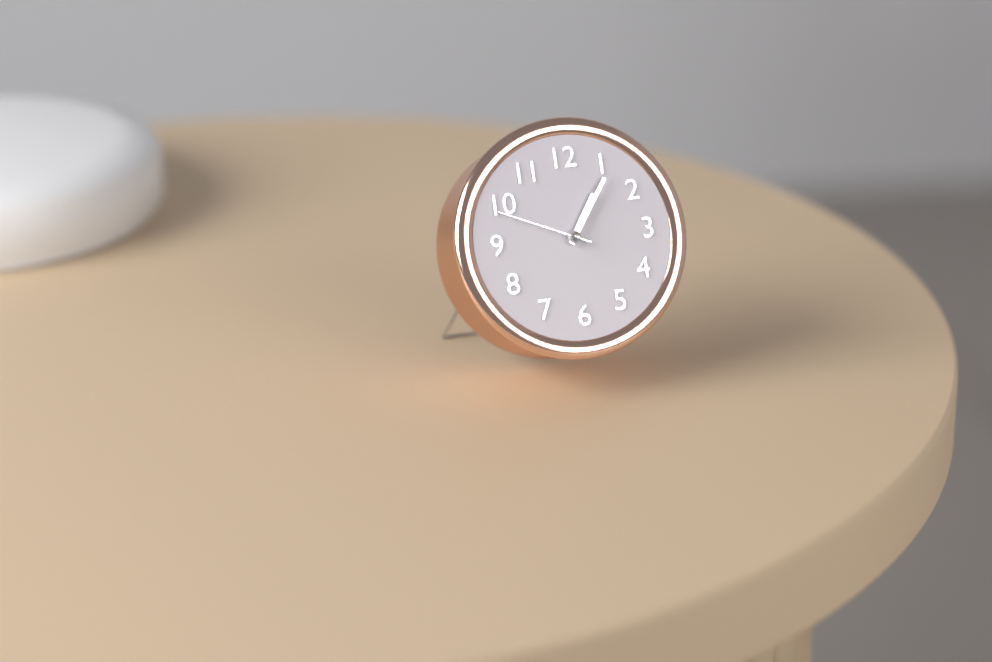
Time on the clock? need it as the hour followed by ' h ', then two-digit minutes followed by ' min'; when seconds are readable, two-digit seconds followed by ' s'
1 h 06 min 49 s
